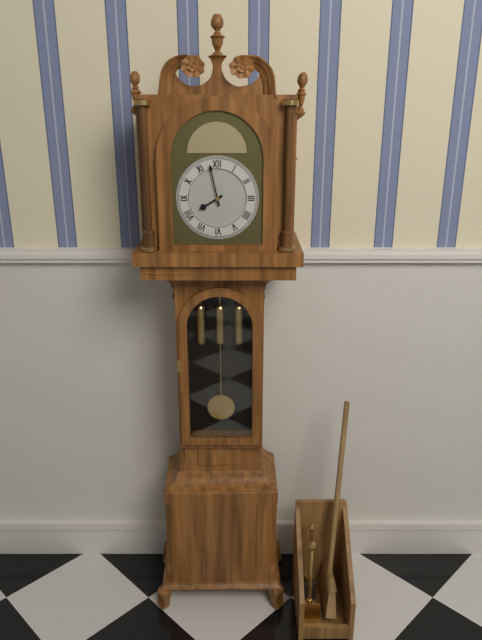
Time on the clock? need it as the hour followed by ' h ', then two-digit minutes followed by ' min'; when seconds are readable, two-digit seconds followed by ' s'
7 h 58 min
